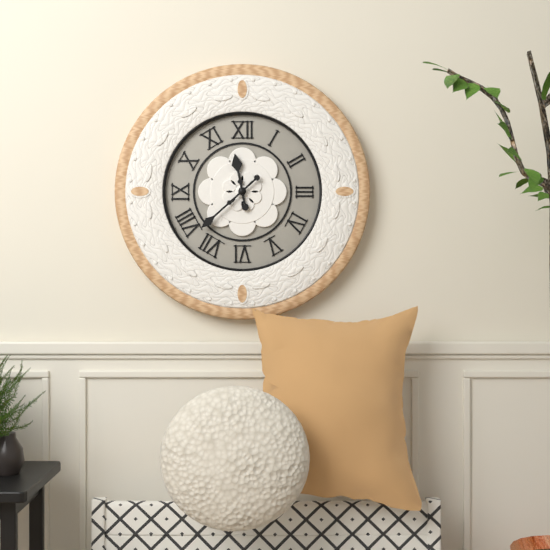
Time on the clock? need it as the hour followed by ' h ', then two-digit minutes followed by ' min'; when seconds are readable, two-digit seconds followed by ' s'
11 h 38 min
